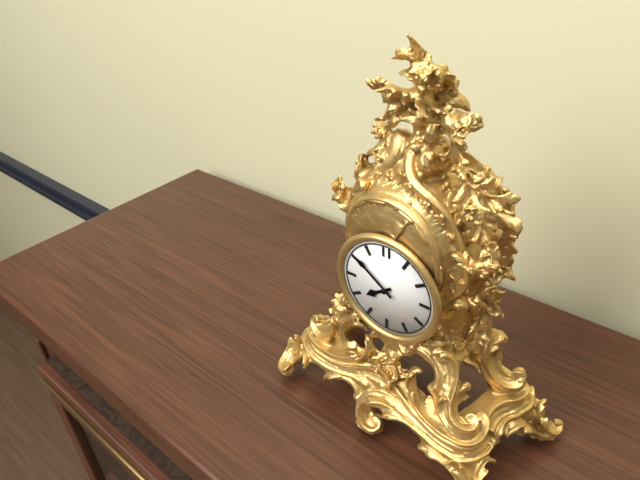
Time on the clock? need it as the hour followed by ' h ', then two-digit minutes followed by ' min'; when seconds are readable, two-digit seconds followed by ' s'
7 h 51 min
